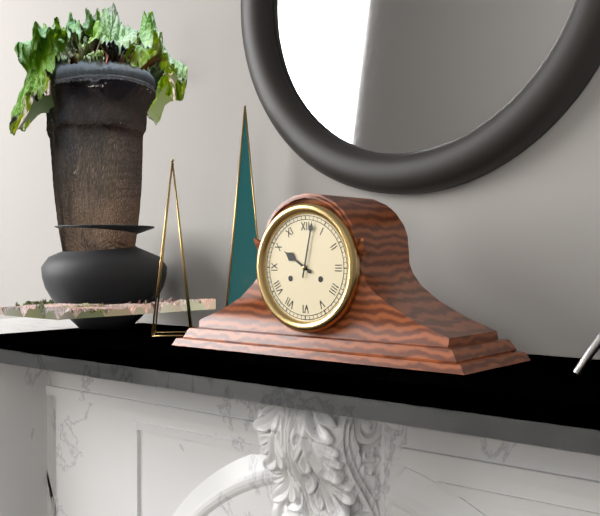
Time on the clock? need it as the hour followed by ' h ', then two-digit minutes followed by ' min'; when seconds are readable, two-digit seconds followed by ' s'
10 h 02 min
